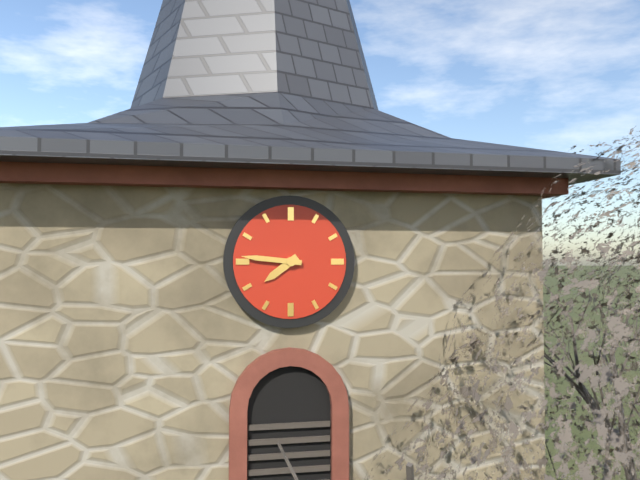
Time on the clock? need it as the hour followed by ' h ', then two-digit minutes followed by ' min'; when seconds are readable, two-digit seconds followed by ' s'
7 h 46 min
